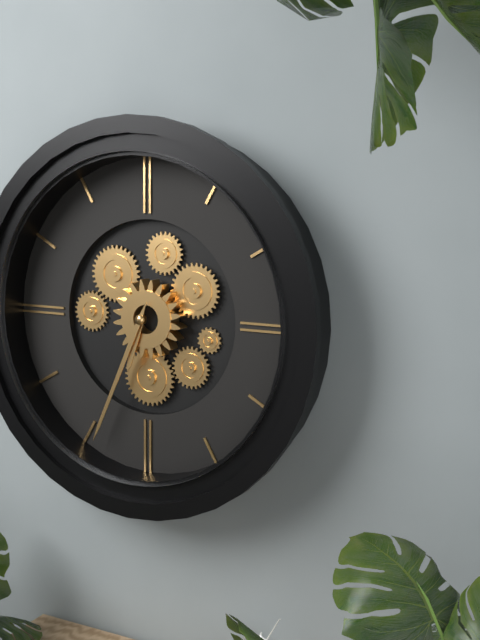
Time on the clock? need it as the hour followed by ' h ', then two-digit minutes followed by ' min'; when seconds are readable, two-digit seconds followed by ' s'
6 h 34 min
